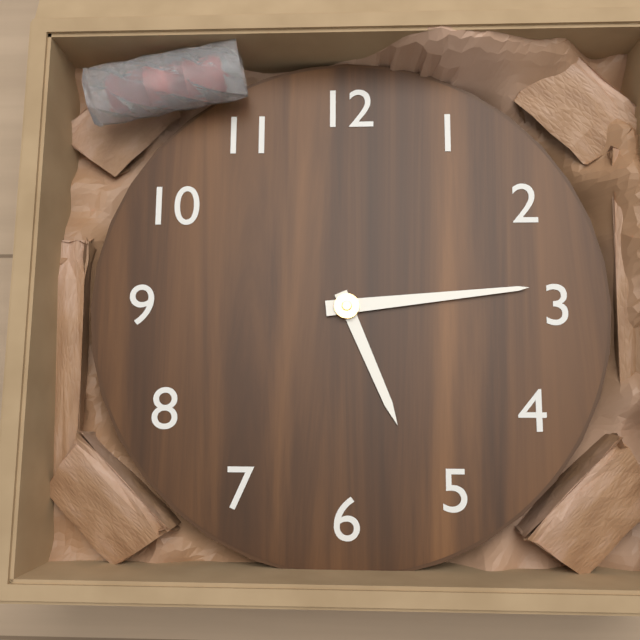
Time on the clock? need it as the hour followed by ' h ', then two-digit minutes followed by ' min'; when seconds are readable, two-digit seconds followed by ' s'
5 h 14 min
